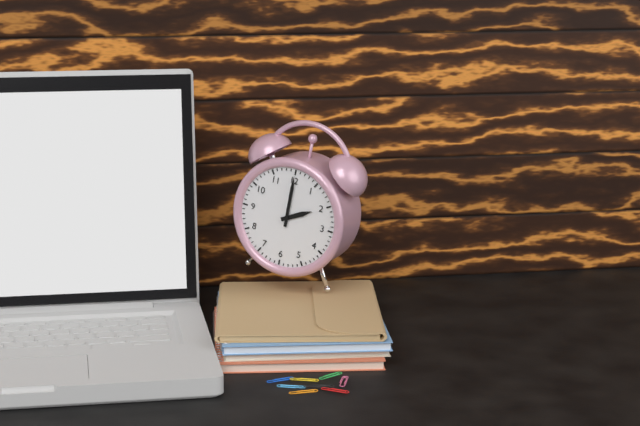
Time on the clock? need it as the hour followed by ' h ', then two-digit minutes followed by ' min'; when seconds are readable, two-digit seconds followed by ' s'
2 h 00 min
